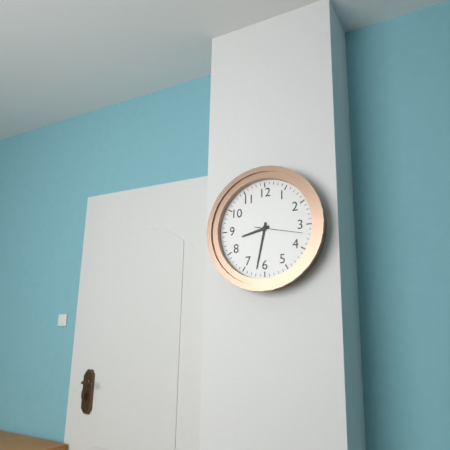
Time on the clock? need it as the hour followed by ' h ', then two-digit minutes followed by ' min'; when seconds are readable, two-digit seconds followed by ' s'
8 h 32 min
